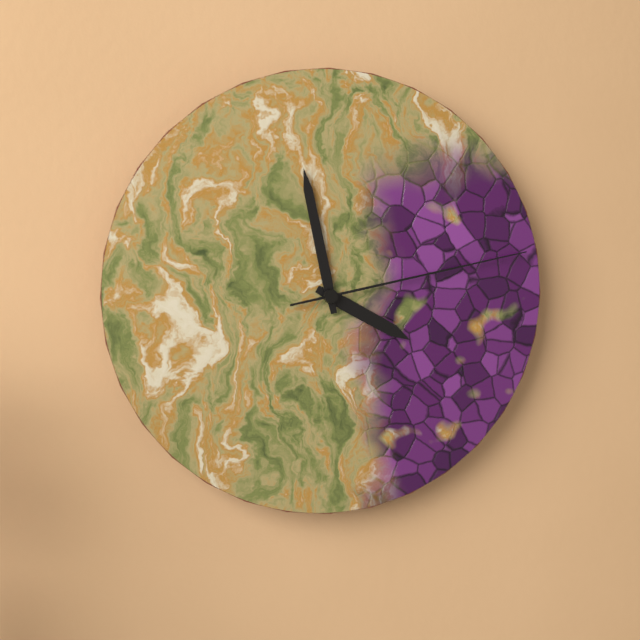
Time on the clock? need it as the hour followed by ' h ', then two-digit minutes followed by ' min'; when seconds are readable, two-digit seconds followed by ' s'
3 h 58 min 13 s
